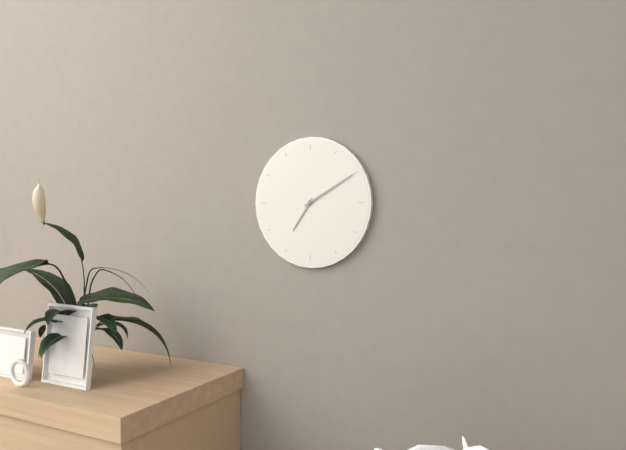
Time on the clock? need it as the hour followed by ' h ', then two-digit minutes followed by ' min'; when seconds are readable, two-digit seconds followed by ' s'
7 h 10 min
